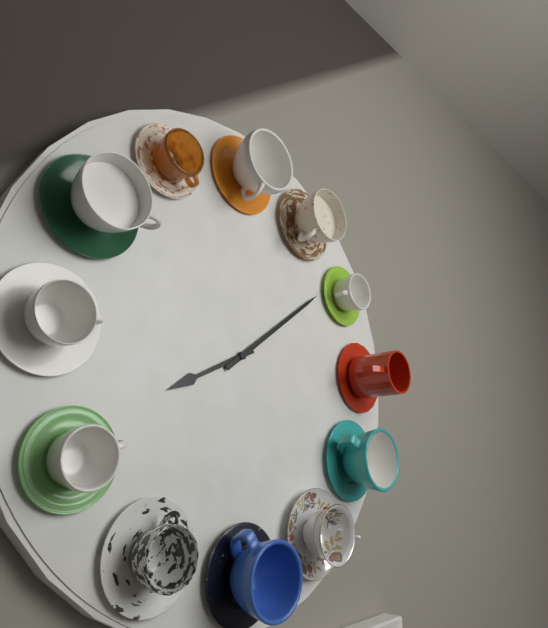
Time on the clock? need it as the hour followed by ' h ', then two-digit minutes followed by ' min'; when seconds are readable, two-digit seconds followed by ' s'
8 h 09 min
